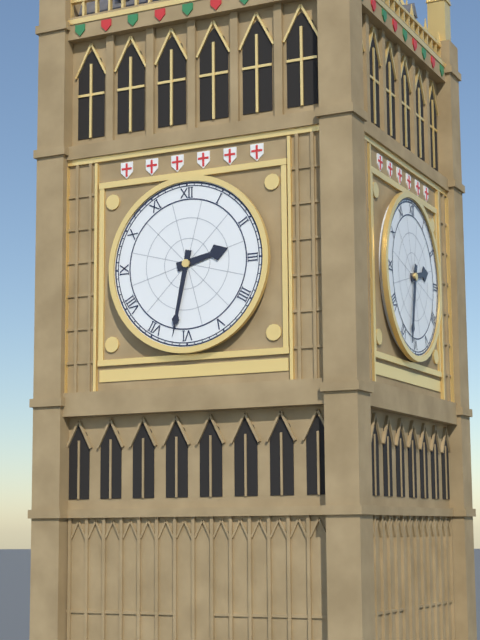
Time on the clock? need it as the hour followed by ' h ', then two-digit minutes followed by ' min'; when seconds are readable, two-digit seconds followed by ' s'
2 h 32 min
